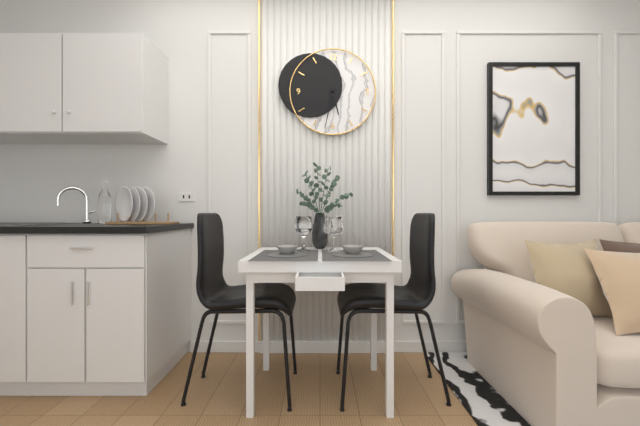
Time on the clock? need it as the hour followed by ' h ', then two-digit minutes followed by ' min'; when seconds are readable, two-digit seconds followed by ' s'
5 h 32 min
